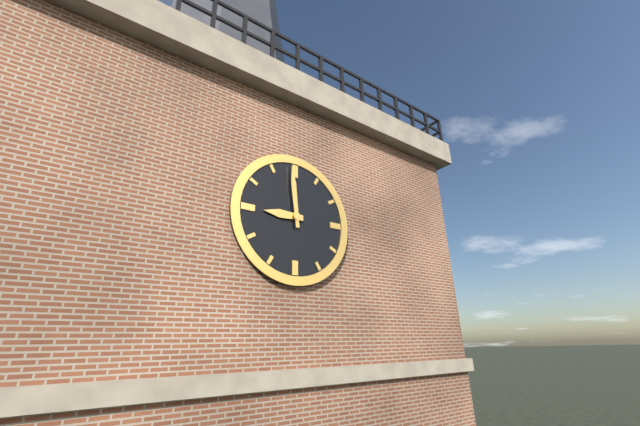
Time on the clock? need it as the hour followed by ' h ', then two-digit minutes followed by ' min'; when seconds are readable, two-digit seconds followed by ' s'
8 h 59 min
